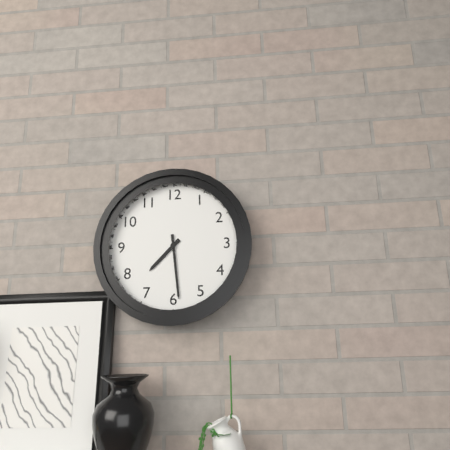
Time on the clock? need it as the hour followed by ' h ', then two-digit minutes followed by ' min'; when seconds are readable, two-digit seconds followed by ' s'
7 h 29 min
